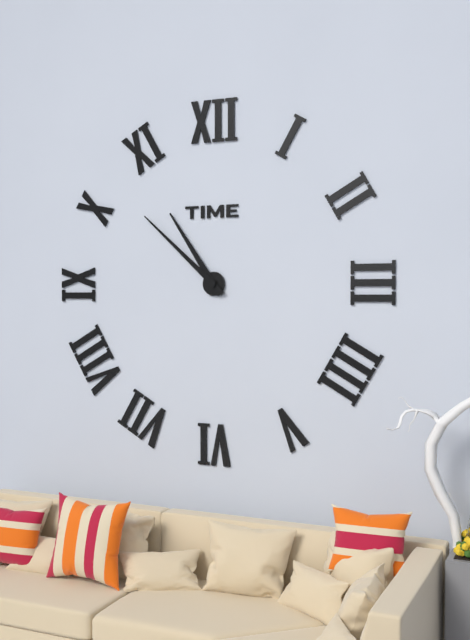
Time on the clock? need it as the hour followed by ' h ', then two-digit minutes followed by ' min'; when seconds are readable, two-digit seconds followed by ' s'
10 h 52 min
